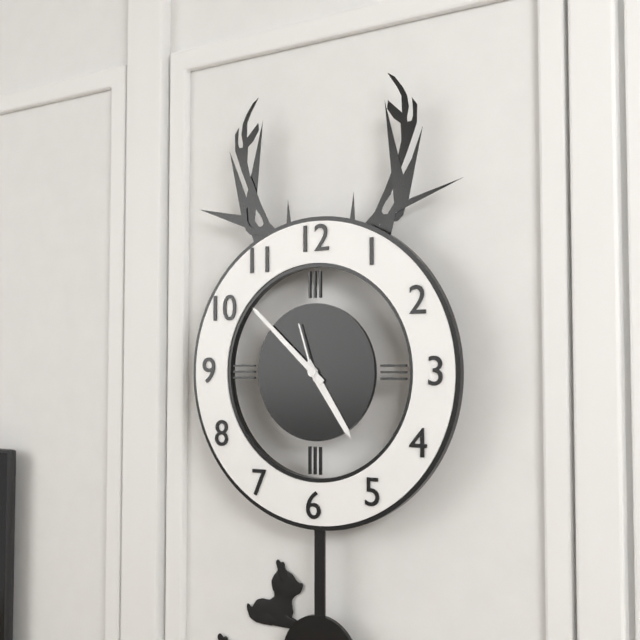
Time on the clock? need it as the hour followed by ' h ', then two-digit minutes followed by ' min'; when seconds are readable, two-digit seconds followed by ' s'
4 h 52 min 57 s
